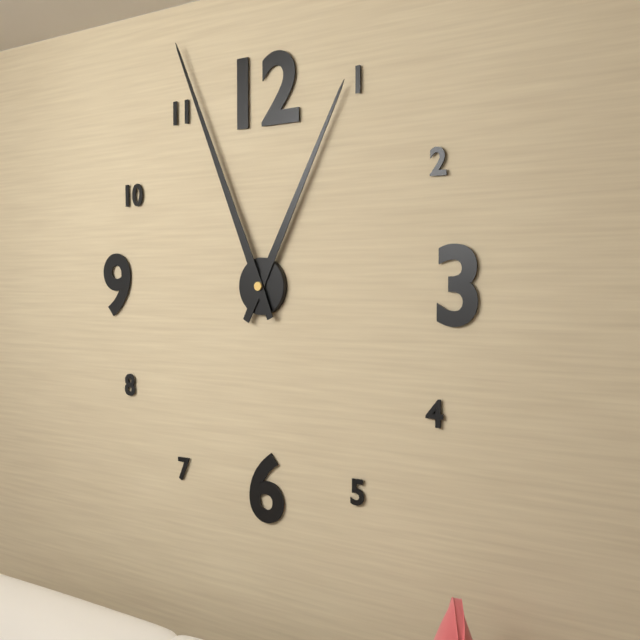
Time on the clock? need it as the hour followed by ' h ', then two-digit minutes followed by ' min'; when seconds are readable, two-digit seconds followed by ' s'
12 h 56 min
